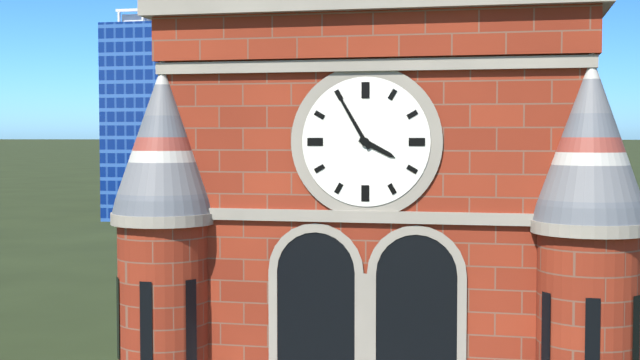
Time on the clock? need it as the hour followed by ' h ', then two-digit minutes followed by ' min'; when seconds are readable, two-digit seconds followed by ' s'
3 h 55 min
